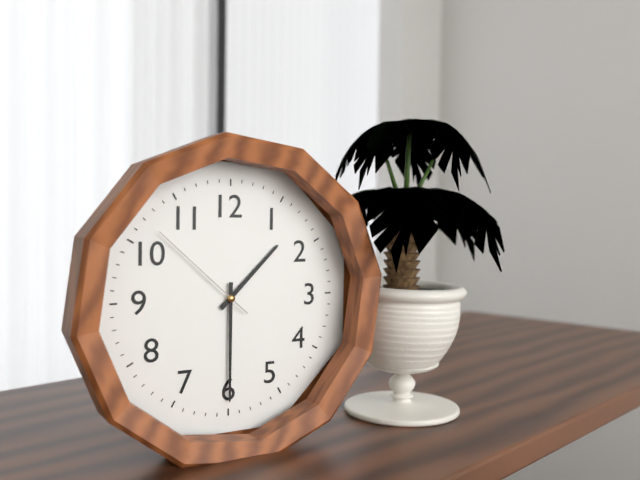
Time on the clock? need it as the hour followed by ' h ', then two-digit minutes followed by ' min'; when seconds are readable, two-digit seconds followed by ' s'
1 h 30 min 52 s
